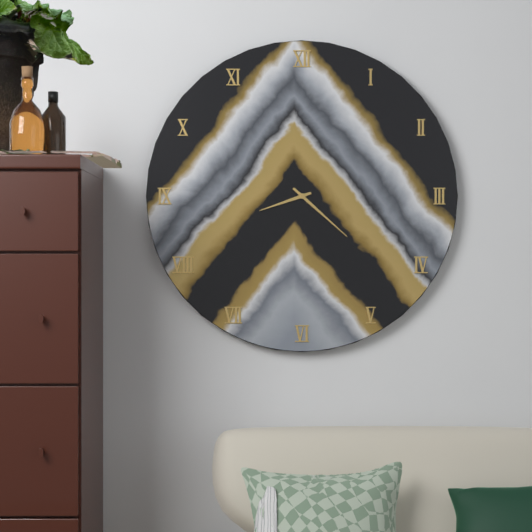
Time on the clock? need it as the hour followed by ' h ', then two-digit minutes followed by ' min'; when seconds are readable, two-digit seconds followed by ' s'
8 h 22 min
